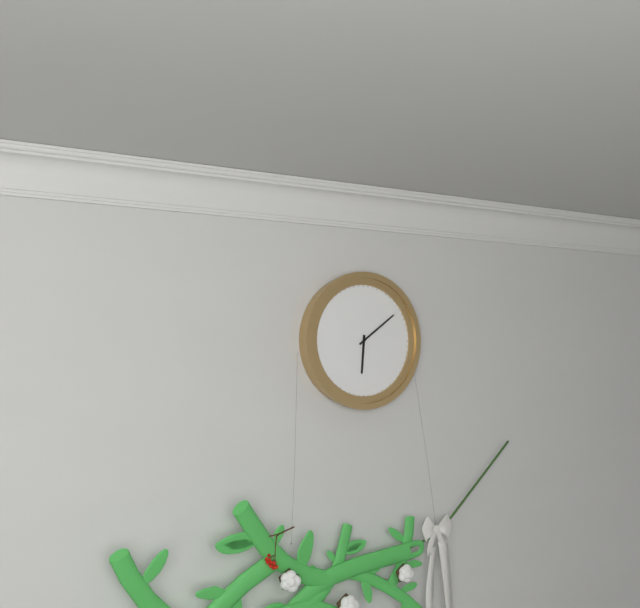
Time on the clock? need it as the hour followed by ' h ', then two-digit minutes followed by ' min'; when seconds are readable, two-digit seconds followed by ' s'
6 h 09 min
